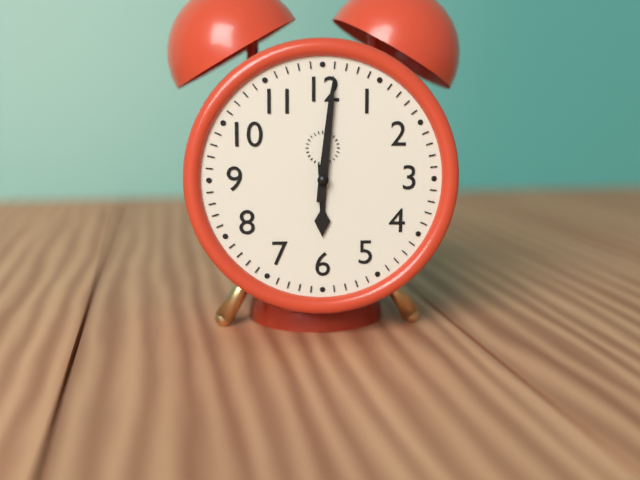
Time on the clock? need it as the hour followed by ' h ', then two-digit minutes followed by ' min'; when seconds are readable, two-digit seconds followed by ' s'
6 h 01 min
